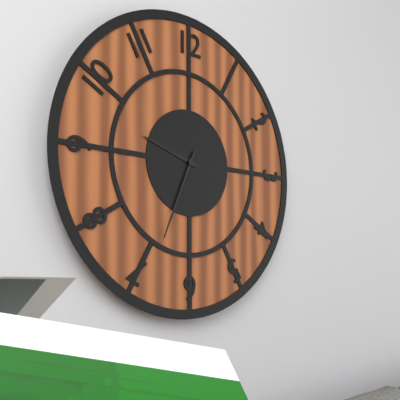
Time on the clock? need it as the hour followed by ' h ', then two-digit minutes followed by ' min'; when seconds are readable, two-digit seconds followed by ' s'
9 h 34 min
